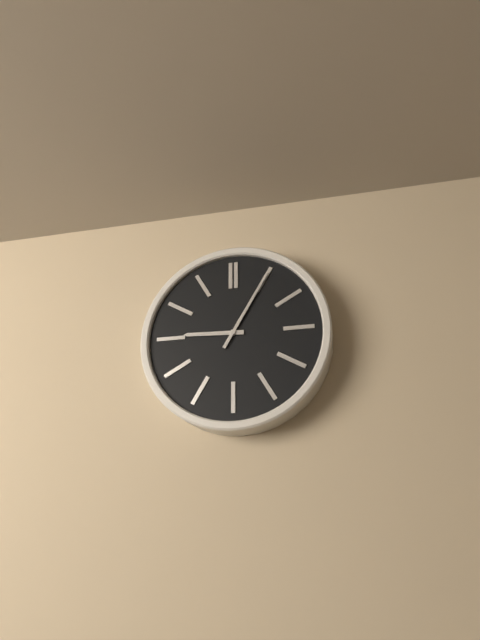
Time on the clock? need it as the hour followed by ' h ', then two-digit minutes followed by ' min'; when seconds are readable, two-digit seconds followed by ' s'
9 h 05 min
